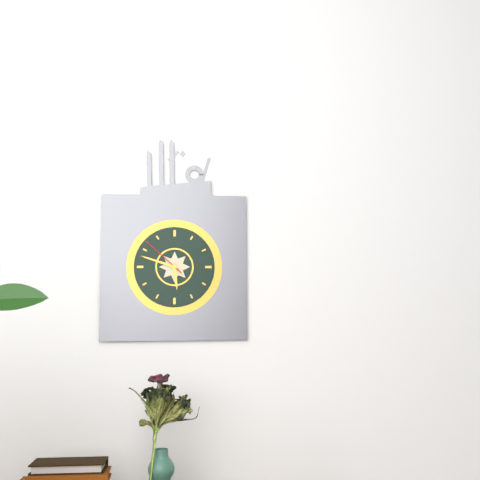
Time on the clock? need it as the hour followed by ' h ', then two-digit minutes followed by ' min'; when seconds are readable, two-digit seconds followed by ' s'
5 h 48 min
